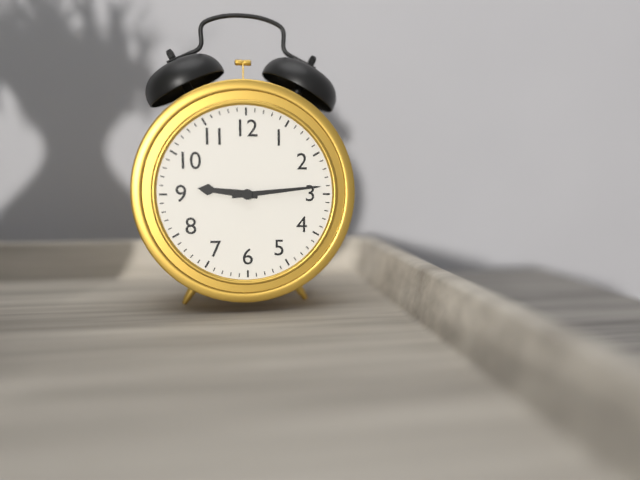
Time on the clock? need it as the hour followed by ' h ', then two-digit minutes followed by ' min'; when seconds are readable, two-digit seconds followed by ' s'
9 h 14 min
